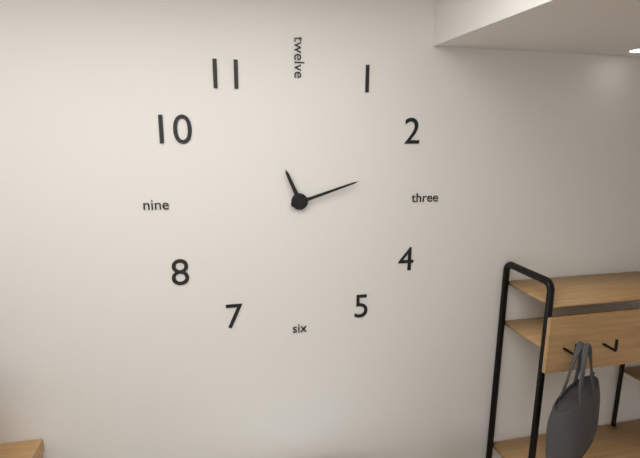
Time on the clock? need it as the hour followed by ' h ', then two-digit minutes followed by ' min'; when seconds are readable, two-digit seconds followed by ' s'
11 h 12 min
